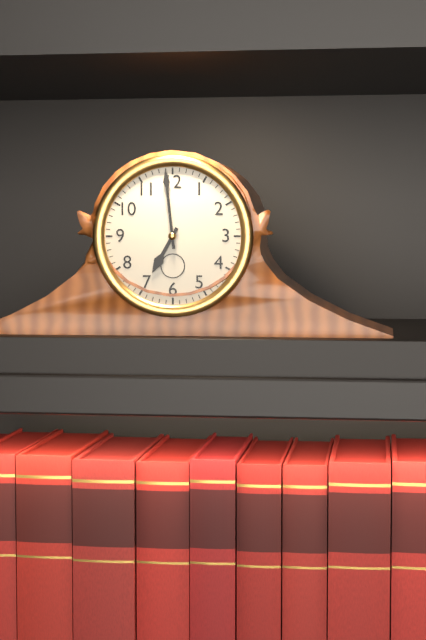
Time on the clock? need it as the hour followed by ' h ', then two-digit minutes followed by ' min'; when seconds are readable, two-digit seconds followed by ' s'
6 h 59 min
